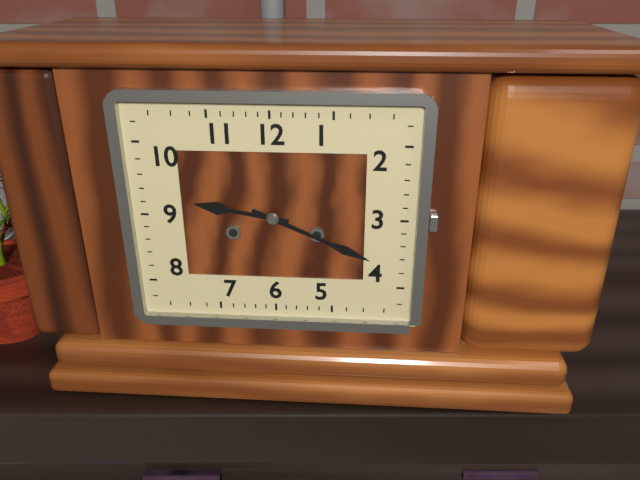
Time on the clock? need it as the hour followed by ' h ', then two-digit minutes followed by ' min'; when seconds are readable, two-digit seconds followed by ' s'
9 h 19 min
